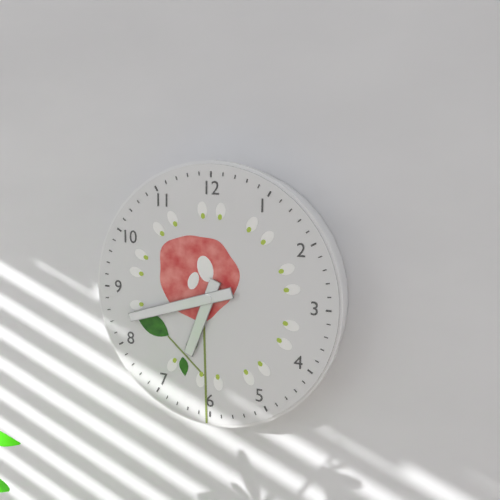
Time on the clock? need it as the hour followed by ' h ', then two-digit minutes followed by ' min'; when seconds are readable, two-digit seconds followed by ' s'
6 h 42 min
